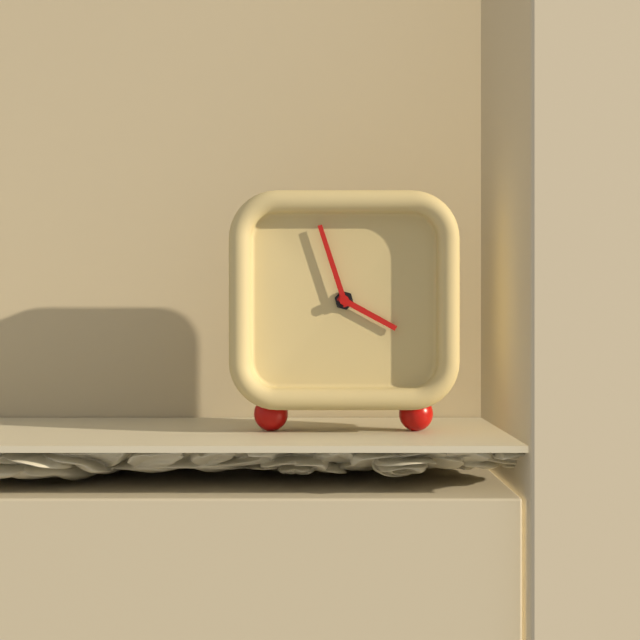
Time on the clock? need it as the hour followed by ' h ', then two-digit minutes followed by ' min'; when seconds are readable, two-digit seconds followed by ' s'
3 h 57 min
